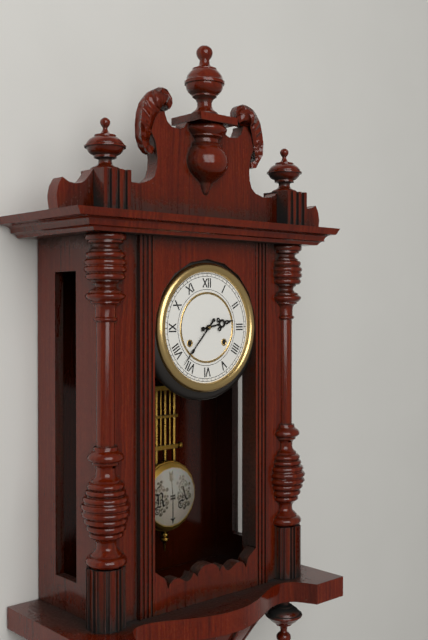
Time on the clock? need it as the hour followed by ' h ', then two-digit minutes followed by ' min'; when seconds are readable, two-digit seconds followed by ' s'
2 h 37 min
